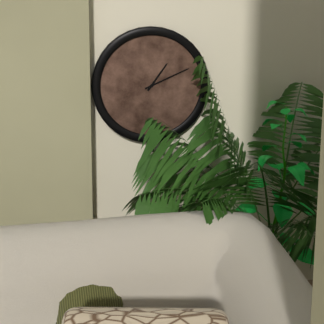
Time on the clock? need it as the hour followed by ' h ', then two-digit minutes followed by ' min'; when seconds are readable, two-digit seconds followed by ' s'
1 h 11 min
